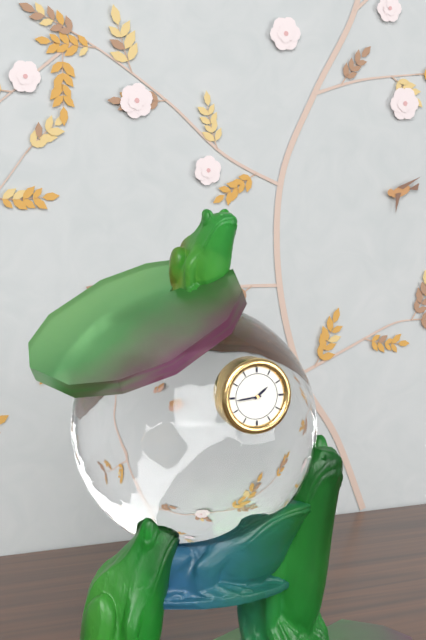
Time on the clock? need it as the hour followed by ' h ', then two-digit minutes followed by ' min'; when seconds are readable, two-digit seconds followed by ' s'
1 h 44 min
